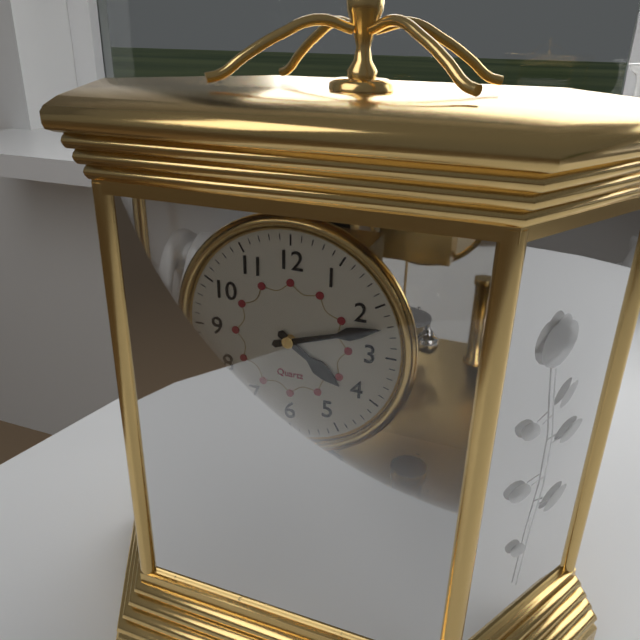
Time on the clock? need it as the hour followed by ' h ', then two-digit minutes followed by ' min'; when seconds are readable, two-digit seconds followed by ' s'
4 h 12 min
